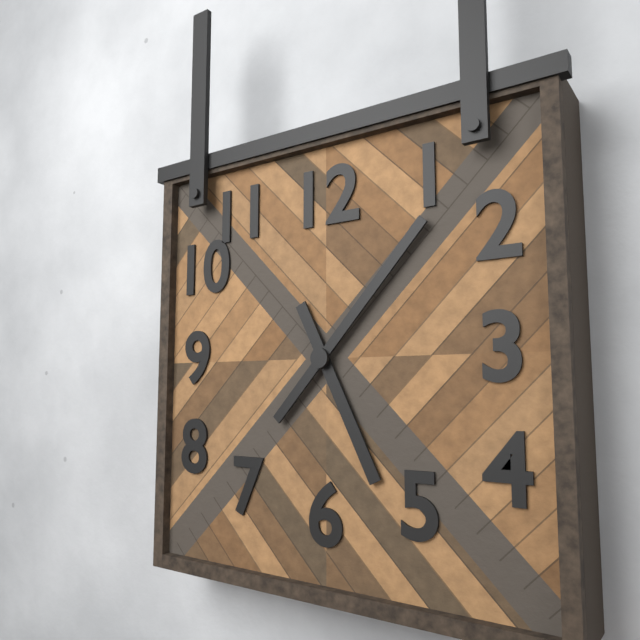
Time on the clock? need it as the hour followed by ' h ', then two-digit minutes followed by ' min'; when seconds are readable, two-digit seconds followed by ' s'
5 h 07 min
